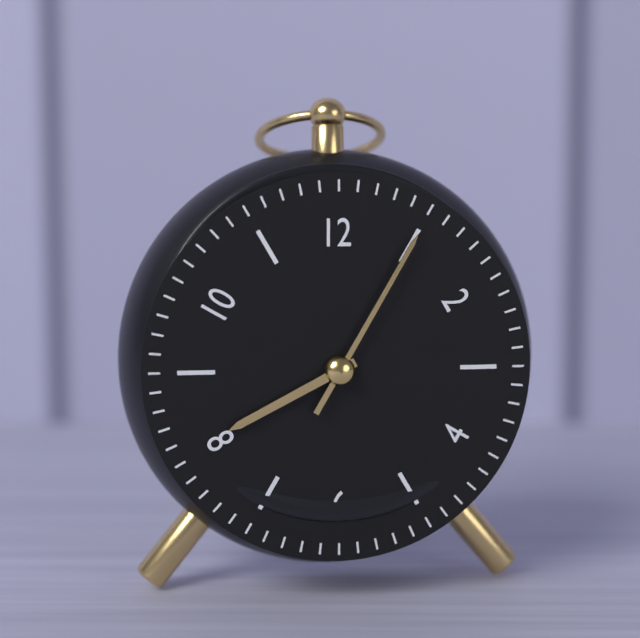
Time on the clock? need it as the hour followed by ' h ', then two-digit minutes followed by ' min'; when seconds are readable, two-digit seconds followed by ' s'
8 h 05 min
